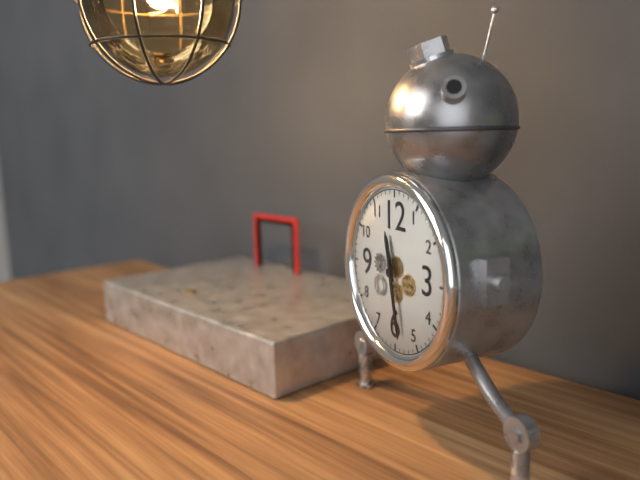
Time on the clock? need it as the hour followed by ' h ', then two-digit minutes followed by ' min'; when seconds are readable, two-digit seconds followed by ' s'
11 h 28 min
